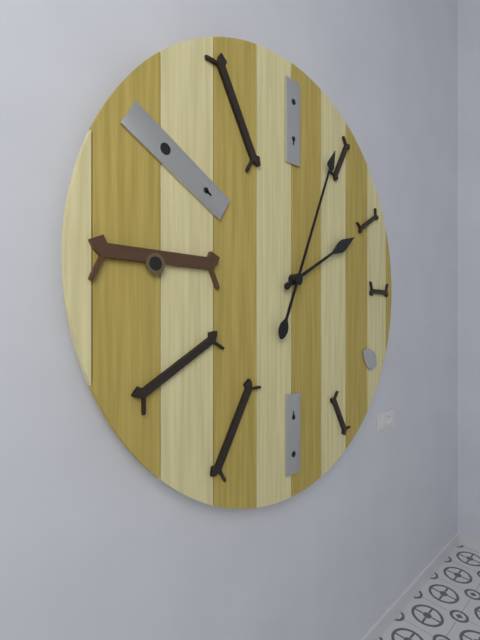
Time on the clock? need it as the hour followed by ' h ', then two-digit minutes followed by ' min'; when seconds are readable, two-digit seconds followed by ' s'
2 h 04 min
